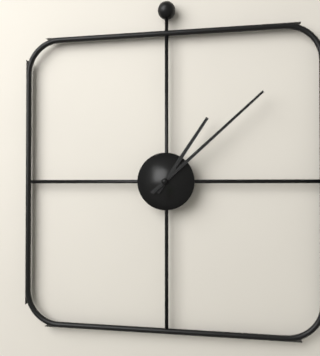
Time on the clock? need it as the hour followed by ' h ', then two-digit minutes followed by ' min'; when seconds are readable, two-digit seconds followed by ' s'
1 h 08 min
